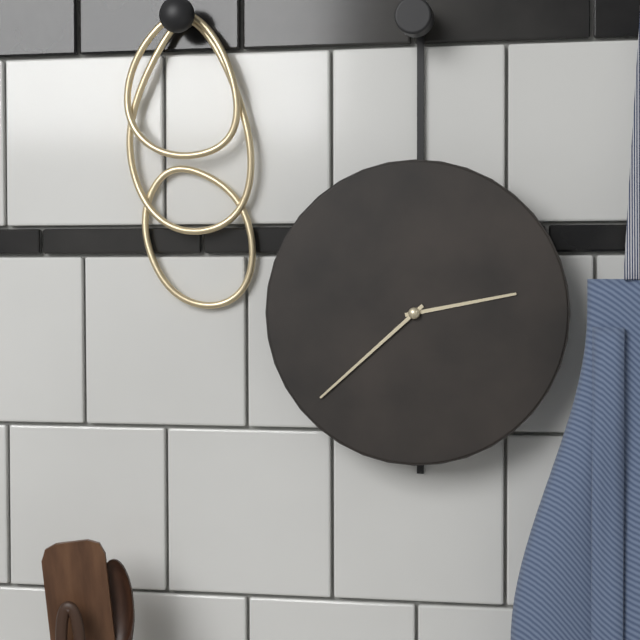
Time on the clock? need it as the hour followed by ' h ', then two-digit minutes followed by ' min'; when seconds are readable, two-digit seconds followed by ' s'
2 h 38 min
